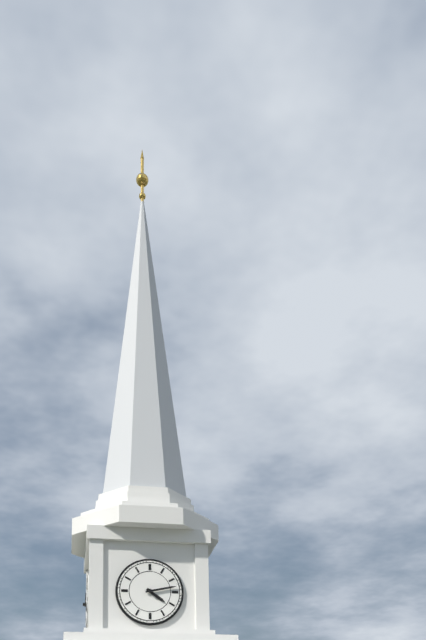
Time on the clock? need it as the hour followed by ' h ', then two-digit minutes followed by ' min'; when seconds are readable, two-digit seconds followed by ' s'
4 h 13 min
